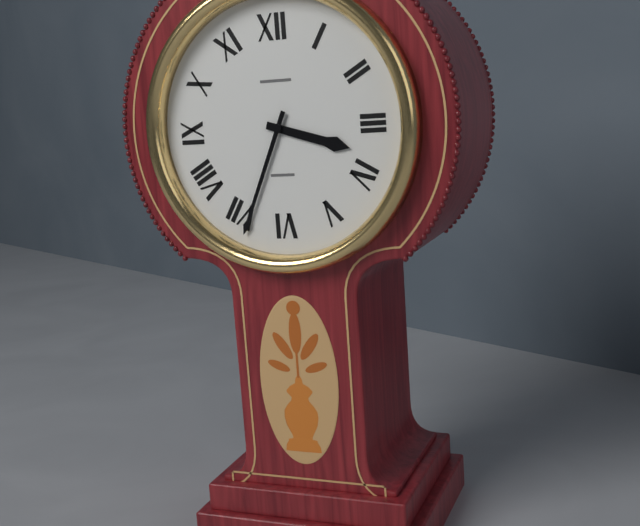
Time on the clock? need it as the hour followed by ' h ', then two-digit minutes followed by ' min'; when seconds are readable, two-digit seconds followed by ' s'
3 h 34 min
